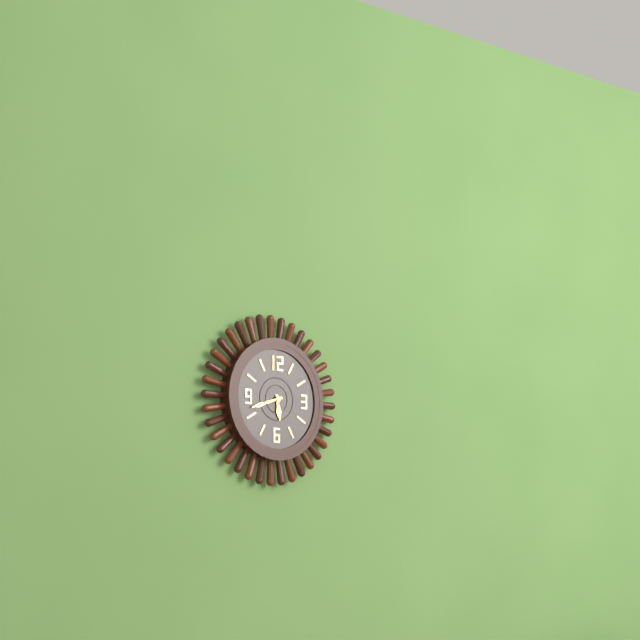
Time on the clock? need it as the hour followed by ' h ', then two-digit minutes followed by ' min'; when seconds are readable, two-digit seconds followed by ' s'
5 h 42 min
